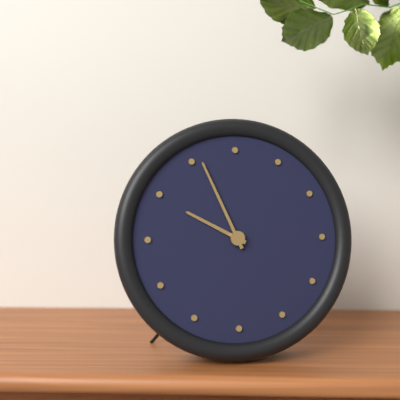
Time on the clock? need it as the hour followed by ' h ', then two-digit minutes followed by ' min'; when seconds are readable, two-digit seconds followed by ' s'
9 h 56 min
